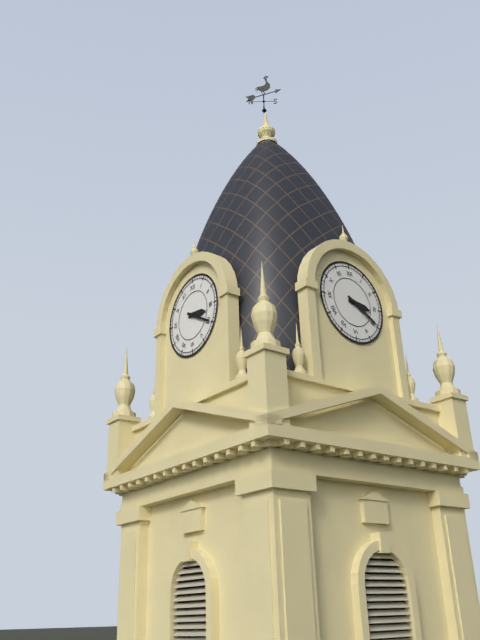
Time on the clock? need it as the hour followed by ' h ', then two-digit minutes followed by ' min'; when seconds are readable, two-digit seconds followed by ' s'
3 h 20 min
